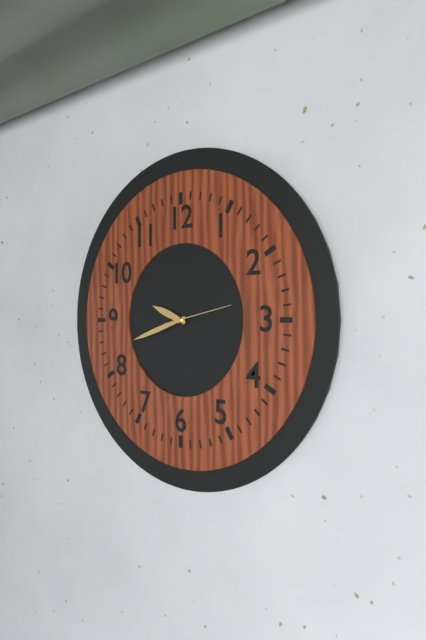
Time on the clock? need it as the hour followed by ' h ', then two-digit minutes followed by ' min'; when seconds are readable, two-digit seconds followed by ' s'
9 h 42 min 13 s
